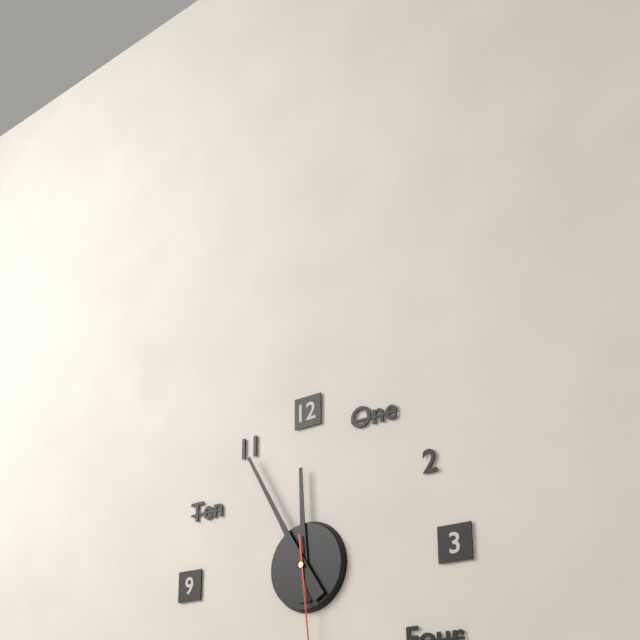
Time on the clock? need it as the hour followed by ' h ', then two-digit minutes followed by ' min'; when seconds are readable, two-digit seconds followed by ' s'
11 h 55 min
